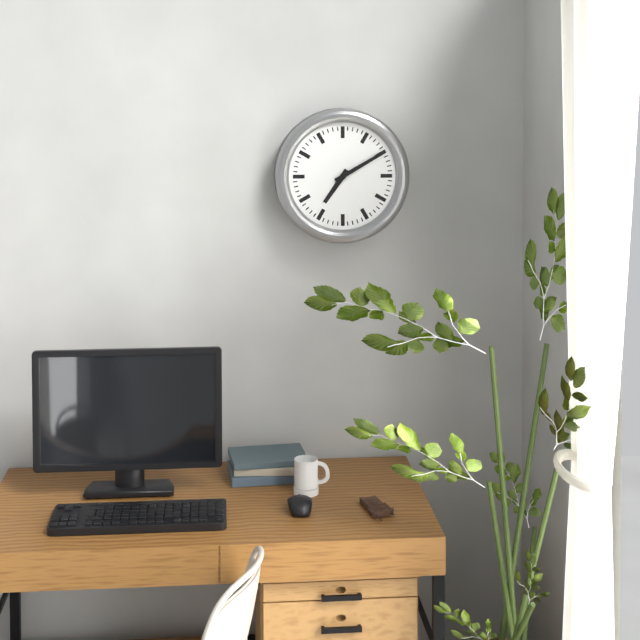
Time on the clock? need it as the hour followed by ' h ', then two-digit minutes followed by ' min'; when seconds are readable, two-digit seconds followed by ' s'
7 h 10 min
